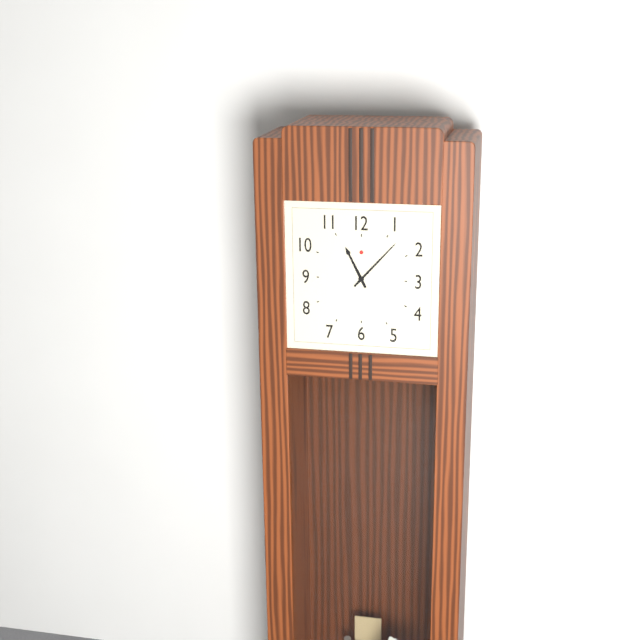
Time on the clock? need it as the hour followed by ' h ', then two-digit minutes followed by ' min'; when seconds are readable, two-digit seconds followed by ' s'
11 h 07 min
